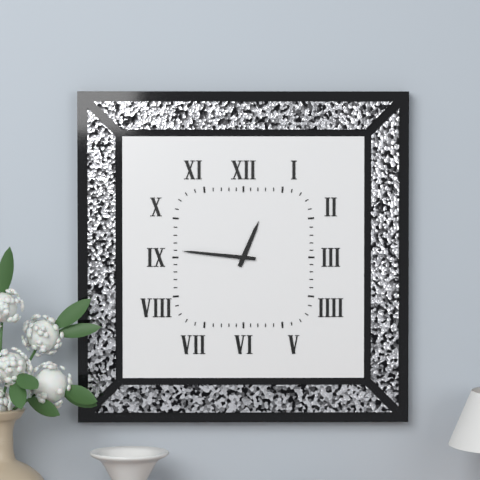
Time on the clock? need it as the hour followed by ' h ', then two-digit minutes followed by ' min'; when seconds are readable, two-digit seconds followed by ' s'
12 h 46 min
